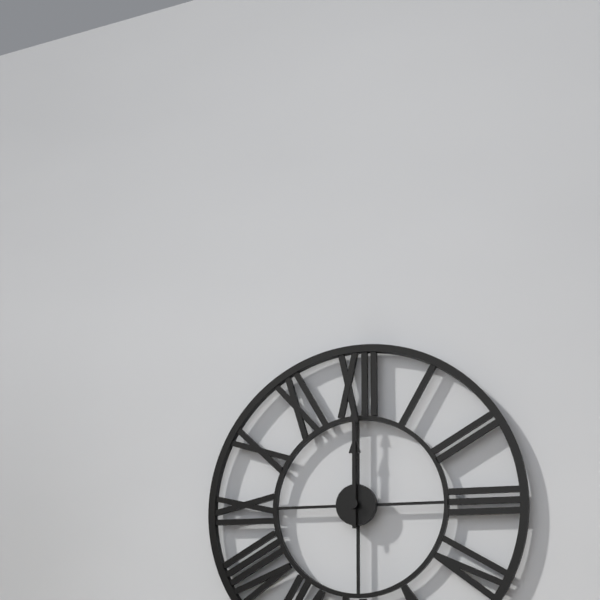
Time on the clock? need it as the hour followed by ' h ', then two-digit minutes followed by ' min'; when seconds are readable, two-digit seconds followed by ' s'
12 h 00 min
